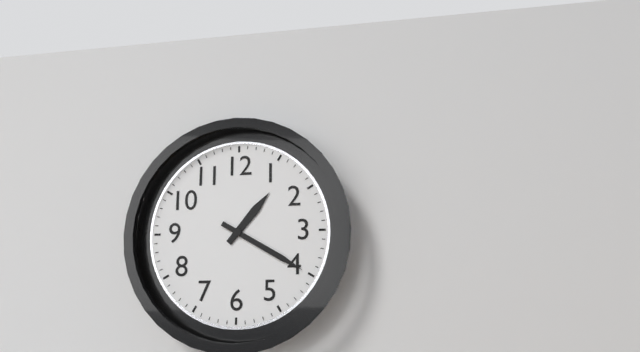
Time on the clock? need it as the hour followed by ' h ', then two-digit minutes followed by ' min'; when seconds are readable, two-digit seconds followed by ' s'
1 h 20 min
